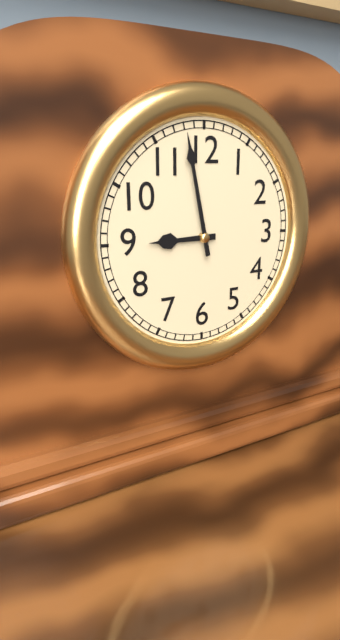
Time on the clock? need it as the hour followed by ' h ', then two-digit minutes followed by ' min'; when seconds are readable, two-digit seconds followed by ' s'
8 h 58 min
